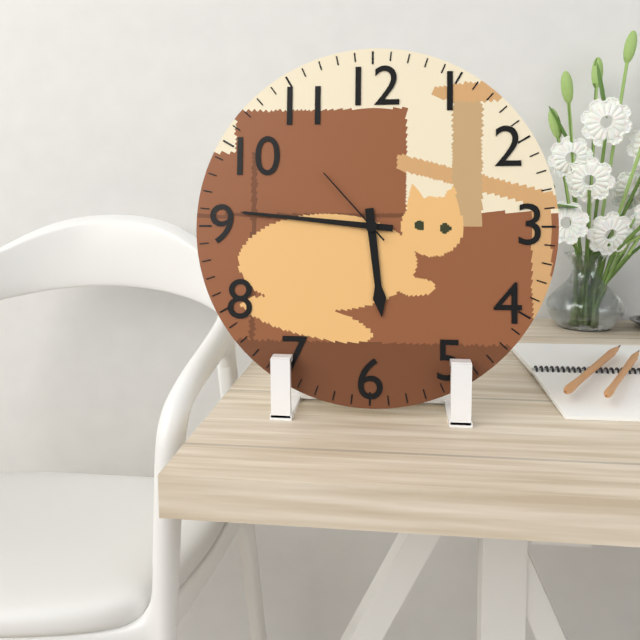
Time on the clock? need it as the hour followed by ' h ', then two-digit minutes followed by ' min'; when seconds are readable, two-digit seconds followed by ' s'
5 h 46 min 53 s
